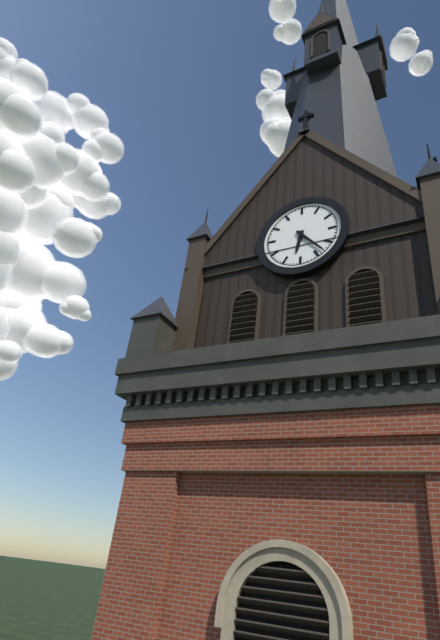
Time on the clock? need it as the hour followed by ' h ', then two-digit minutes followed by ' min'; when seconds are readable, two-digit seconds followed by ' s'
6 h 23 min
